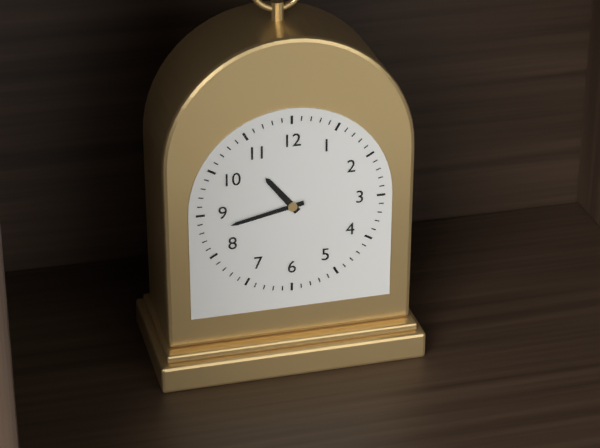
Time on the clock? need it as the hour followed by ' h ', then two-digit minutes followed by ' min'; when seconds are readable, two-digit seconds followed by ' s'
10 h 43 min
